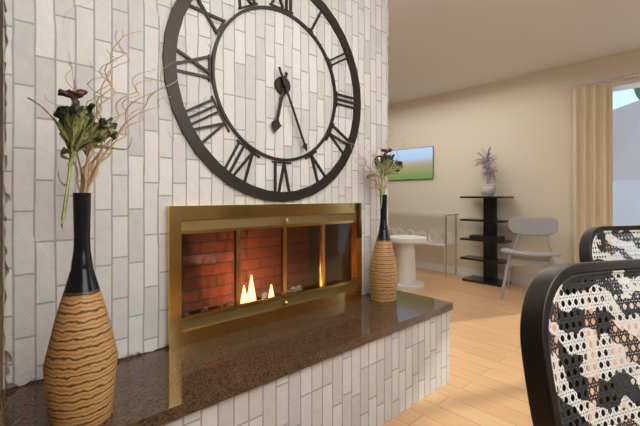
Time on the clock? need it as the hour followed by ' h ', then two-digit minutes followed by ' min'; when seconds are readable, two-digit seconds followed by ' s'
6 h 26 min
